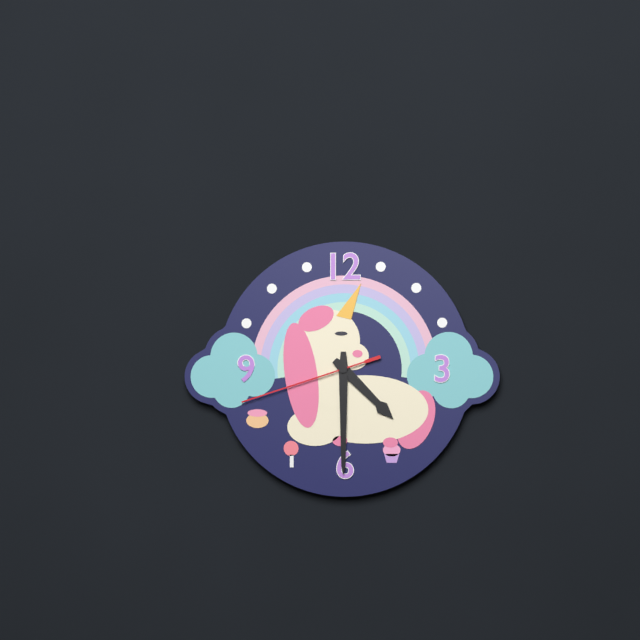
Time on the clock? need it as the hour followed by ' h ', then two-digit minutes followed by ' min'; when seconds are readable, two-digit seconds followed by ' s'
4 h 30 min 42 s
